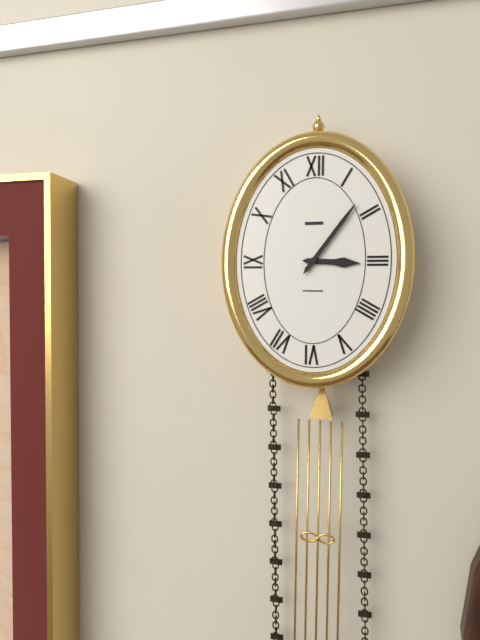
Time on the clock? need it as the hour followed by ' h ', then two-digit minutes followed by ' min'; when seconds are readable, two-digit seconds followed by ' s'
3 h 06 min
